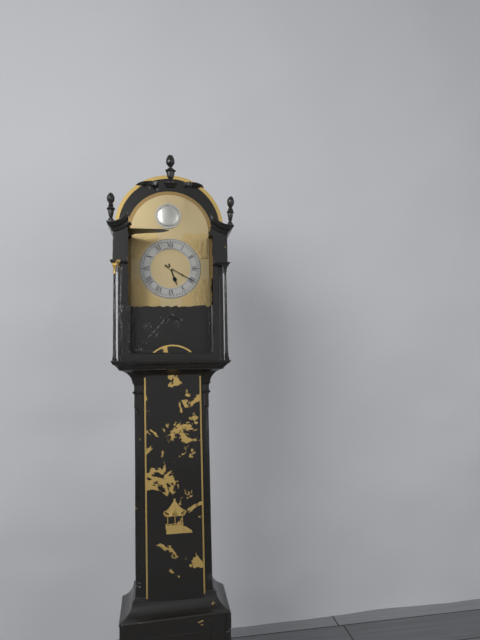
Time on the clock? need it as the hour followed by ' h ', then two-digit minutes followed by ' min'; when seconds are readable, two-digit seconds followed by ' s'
5 h 20 min
